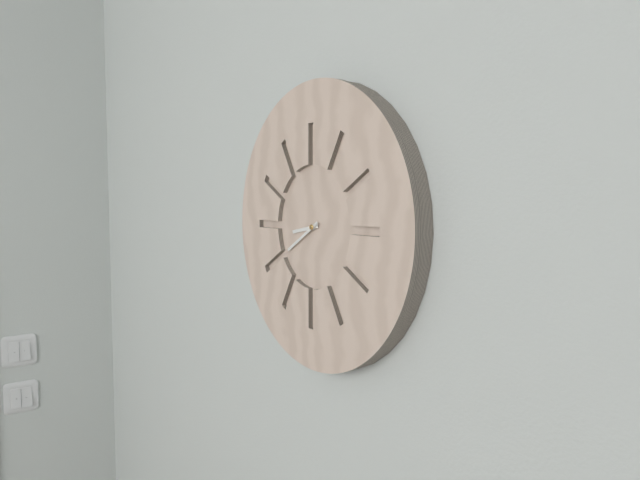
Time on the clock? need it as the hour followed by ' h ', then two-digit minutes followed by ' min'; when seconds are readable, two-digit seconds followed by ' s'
8 h 40 min
